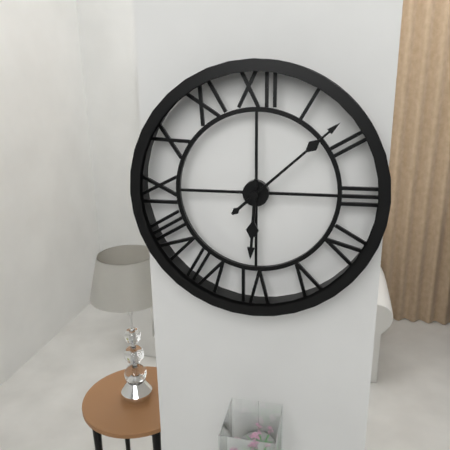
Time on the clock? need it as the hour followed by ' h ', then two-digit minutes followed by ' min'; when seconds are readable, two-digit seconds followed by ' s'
6 h 08 min
